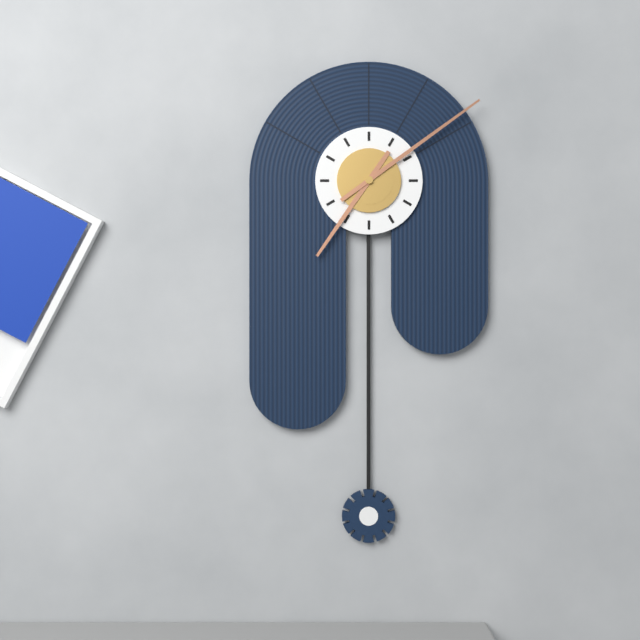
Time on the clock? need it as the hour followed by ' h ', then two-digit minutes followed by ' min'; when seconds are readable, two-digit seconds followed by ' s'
7 h 09 min
